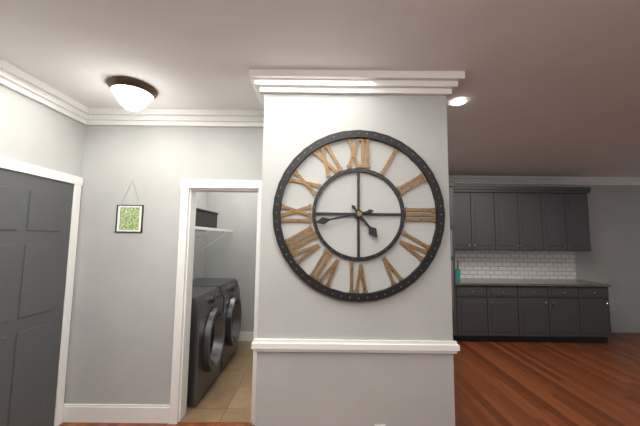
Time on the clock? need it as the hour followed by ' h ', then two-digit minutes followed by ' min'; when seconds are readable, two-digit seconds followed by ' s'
4 h 43 min
